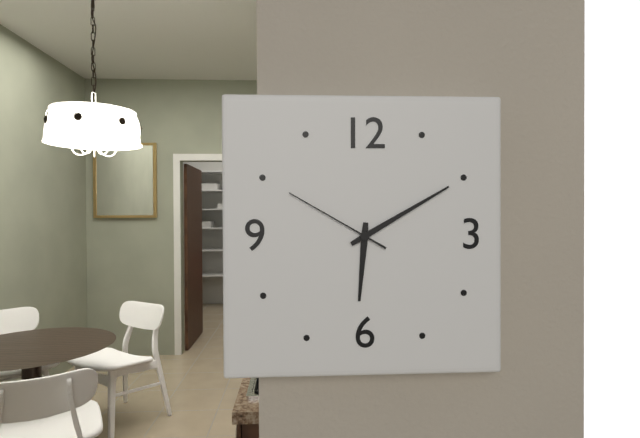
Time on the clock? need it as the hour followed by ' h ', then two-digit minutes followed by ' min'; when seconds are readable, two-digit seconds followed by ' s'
6 h 10 min 50 s
